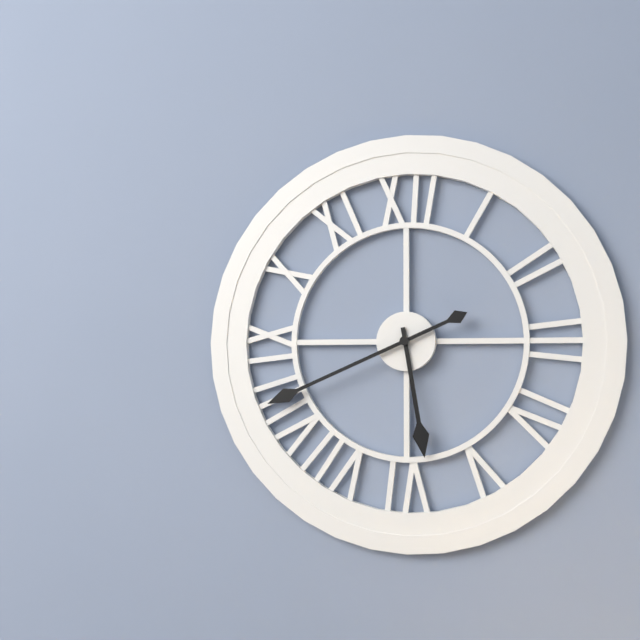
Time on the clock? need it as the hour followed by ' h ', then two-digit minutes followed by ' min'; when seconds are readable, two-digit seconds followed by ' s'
5 h 41 min
